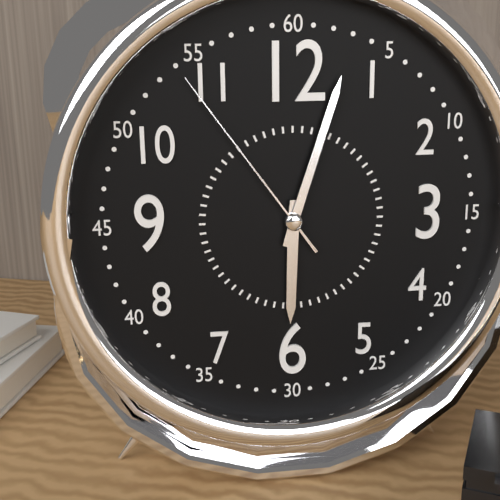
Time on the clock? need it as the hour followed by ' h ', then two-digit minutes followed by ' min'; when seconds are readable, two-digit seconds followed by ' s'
6 h 03 min 54 s
